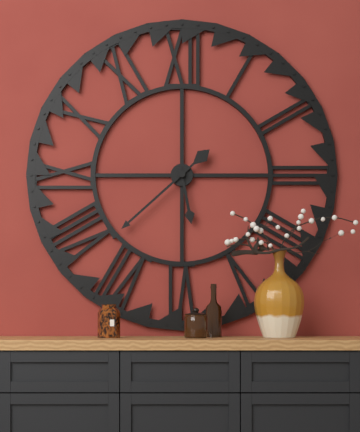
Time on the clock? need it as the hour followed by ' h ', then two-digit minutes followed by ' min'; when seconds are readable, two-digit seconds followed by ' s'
5 h 38 min
